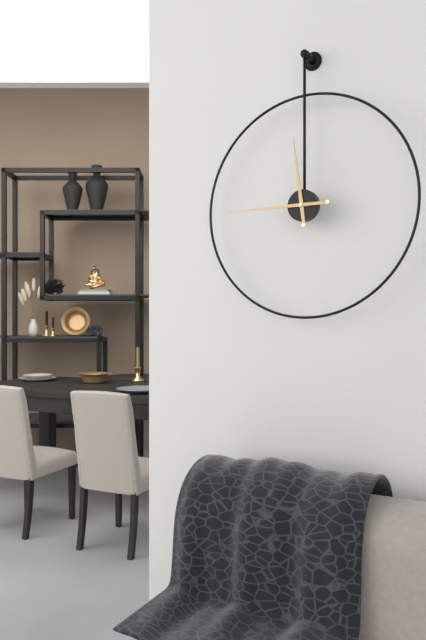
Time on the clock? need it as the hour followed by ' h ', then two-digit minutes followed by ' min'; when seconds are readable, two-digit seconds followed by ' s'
11 h 45 min
